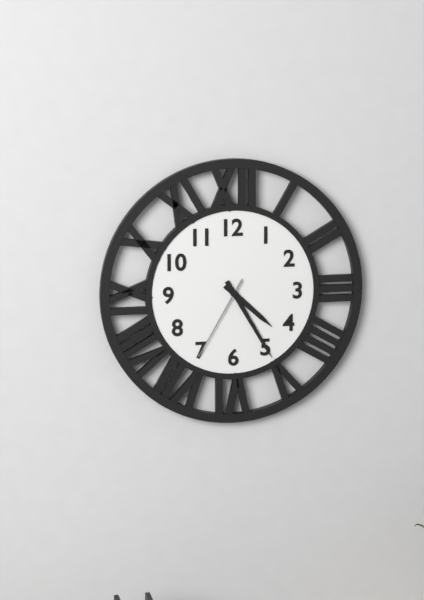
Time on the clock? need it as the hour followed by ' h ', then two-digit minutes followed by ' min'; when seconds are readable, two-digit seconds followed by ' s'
4 h 25 min 35 s
